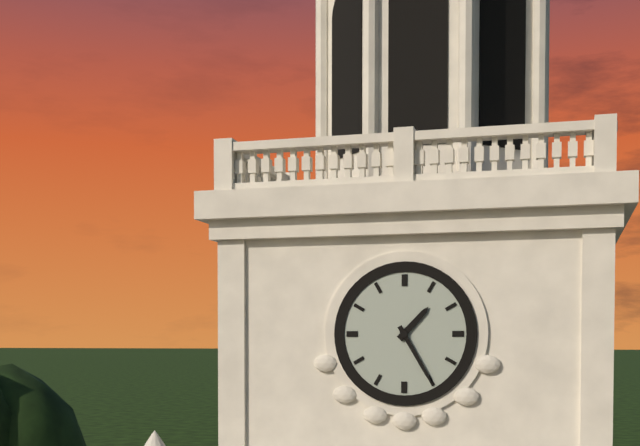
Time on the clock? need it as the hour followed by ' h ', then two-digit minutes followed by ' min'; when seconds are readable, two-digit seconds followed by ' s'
1 h 25 min
